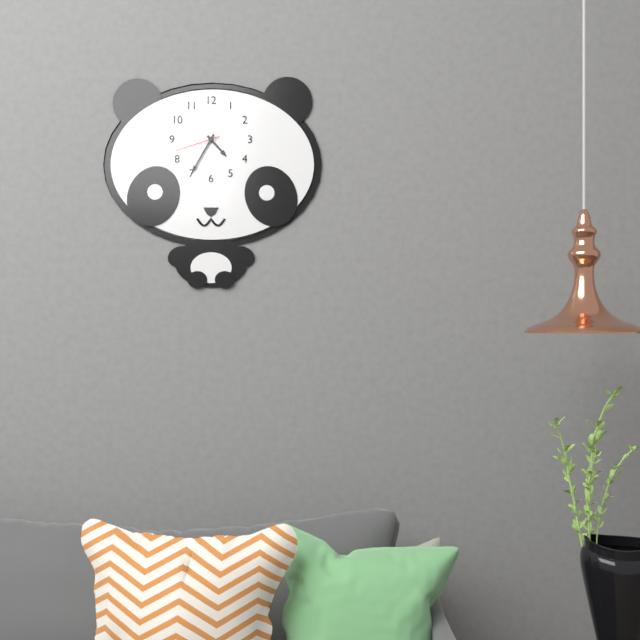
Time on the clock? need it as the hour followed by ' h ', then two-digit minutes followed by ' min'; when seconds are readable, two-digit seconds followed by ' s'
4 h 35 min
